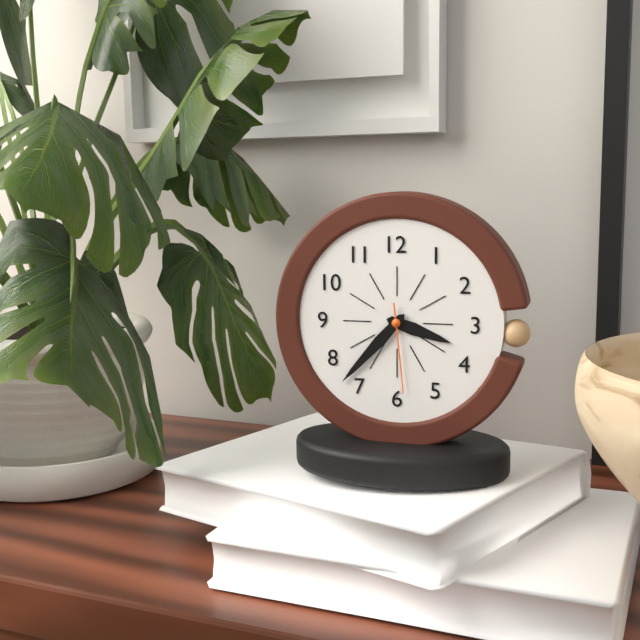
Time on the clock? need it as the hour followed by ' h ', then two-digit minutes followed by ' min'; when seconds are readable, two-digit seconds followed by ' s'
3 h 37 min 29 s
